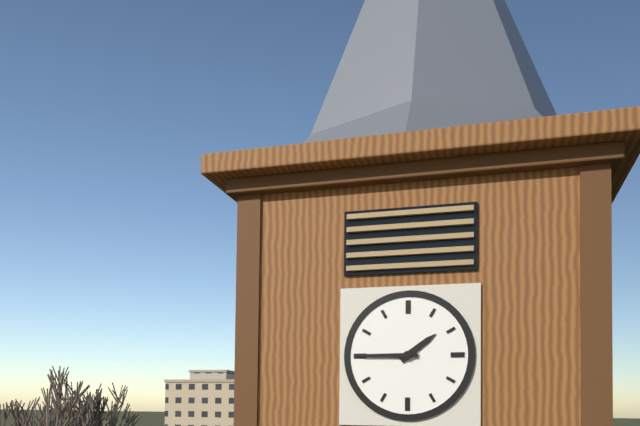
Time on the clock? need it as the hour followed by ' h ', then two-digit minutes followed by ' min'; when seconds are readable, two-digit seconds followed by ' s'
1 h 45 min
